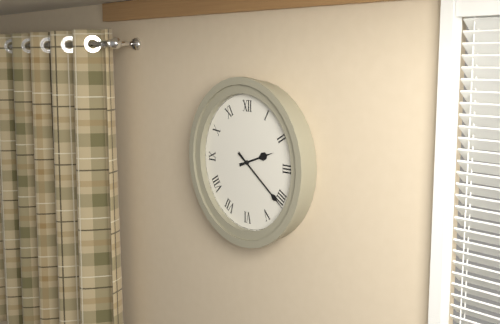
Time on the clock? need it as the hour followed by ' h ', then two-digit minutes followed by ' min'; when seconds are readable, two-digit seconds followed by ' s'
2 h 21 min
